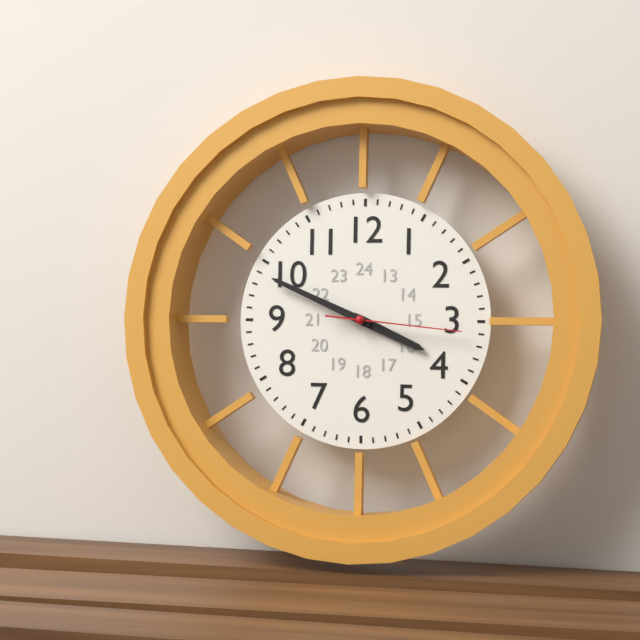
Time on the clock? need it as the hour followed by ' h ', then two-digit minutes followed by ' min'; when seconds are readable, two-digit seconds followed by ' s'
3 h 49 min 16 s
